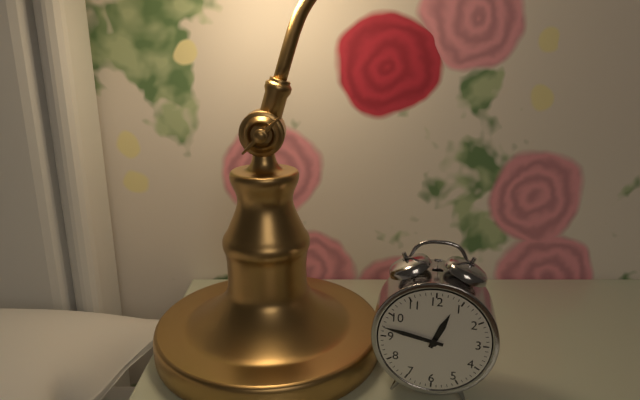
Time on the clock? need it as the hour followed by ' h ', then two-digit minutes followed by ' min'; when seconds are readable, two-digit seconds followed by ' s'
12 h 47 min
